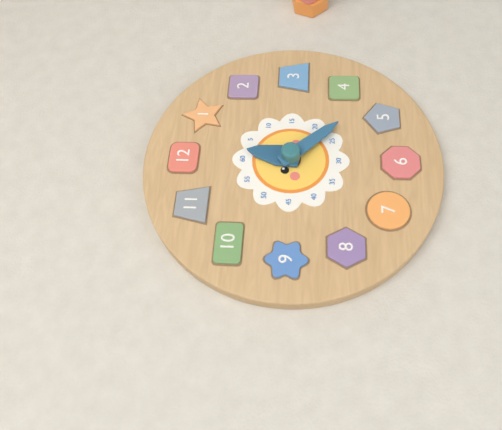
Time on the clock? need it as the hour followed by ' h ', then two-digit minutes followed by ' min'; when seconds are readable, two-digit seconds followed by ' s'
12 h 23 min
